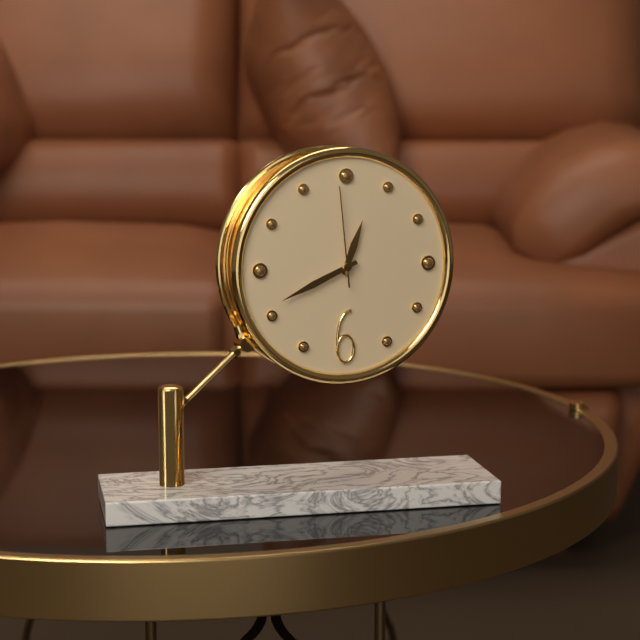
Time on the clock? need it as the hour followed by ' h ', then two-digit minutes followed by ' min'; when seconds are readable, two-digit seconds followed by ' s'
12 h 41 min 59 s
